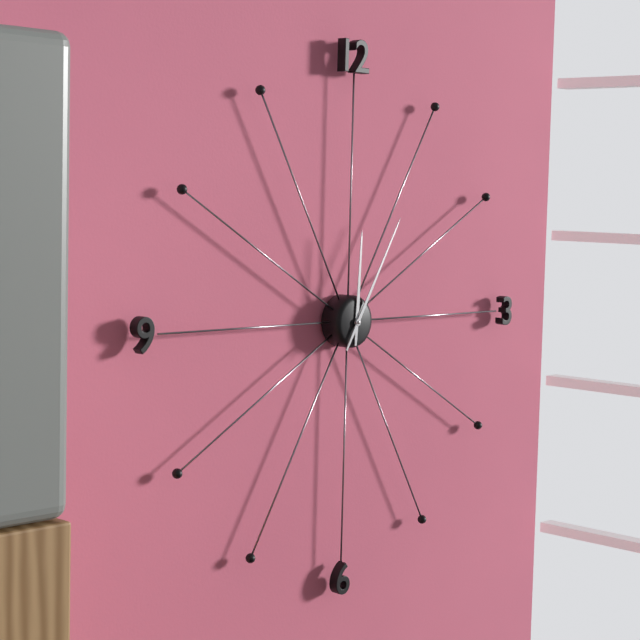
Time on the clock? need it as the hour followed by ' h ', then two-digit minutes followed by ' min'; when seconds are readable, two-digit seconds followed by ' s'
12 h 05 min
